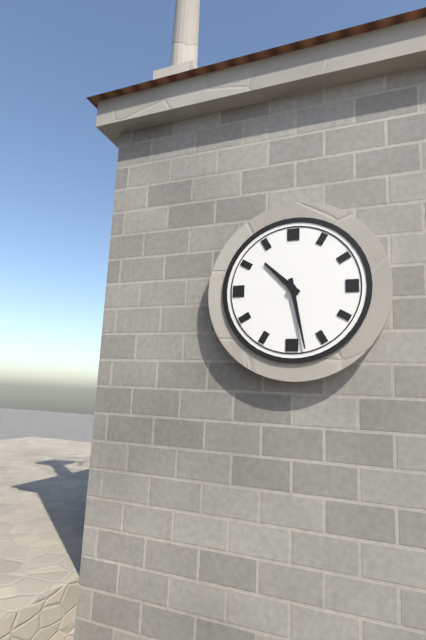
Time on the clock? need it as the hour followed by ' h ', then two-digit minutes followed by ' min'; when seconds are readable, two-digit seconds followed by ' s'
10 h 28 min
